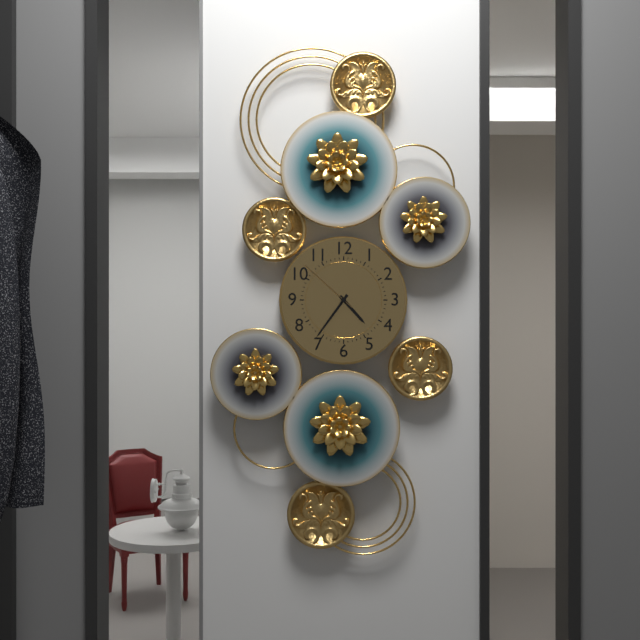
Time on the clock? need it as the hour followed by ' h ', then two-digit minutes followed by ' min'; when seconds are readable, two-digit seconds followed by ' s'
4 h 36 min 52 s
